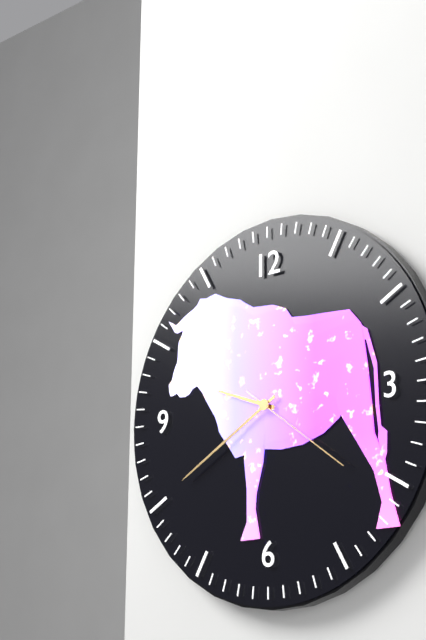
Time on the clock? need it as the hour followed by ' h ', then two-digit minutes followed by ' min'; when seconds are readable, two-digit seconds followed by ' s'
9 h 40 min 21 s
